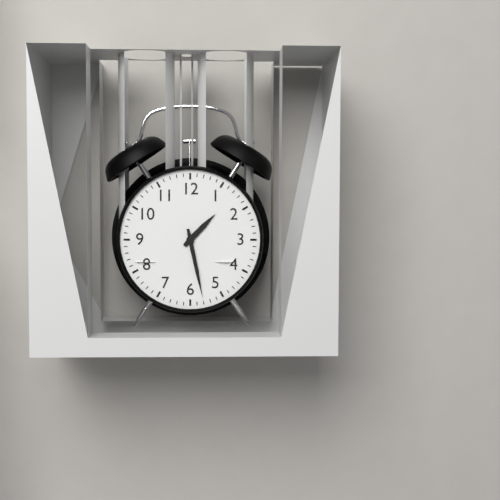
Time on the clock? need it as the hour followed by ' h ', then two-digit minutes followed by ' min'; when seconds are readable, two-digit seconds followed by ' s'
1 h 28 min
